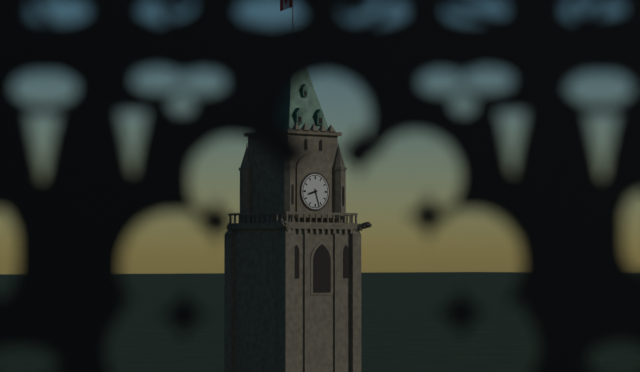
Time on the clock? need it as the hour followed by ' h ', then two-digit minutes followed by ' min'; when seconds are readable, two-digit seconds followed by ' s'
8 h 27 min
